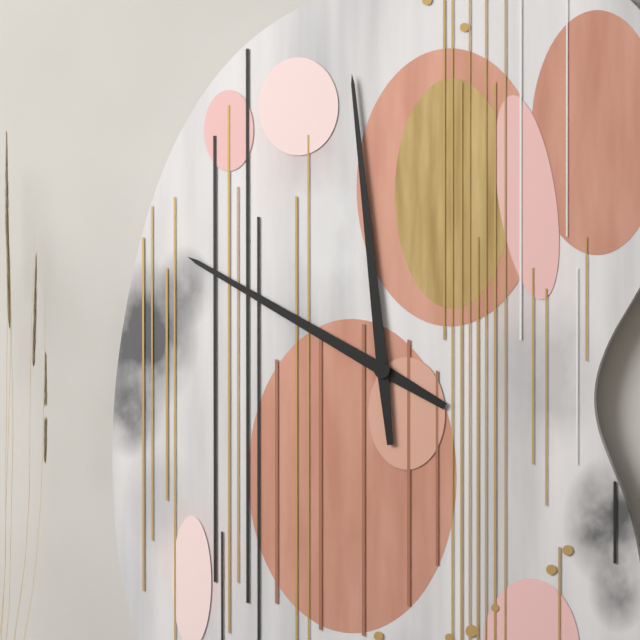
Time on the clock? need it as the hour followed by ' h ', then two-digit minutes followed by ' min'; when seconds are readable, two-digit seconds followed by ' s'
9 h 59 min
